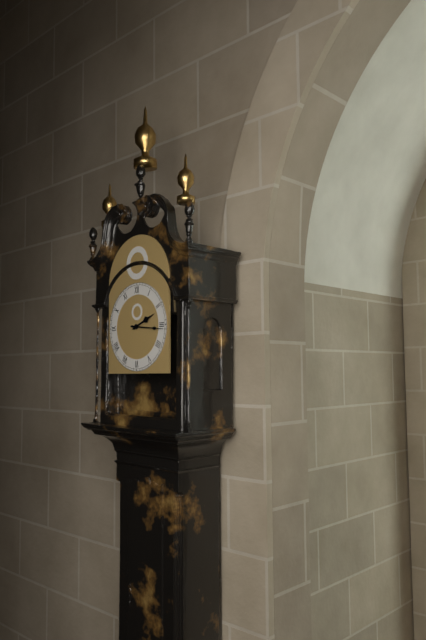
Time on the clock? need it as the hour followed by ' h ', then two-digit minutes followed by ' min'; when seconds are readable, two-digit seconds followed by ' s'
2 h 16 min
